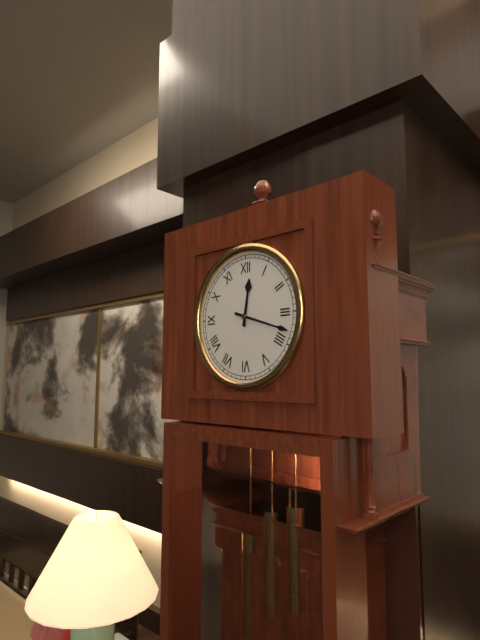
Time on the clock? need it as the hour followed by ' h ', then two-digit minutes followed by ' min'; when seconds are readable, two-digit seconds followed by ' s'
12 h 18 min
